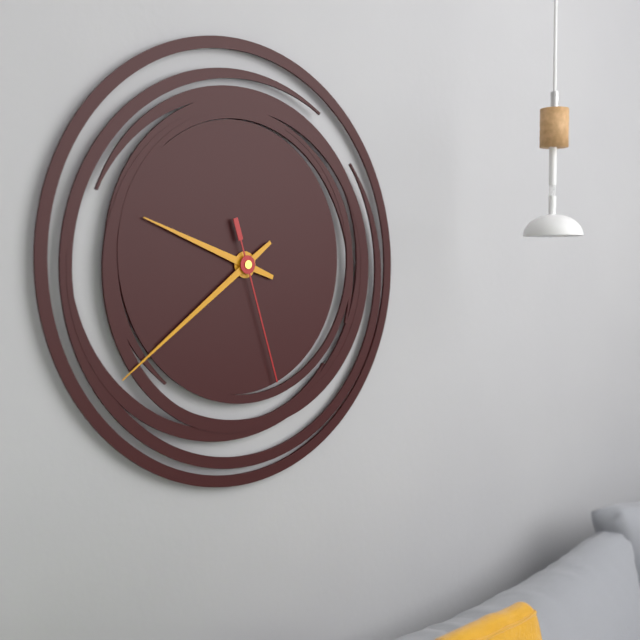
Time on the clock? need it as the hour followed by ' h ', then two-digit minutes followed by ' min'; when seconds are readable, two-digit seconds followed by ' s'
9 h 39 min 27 s
